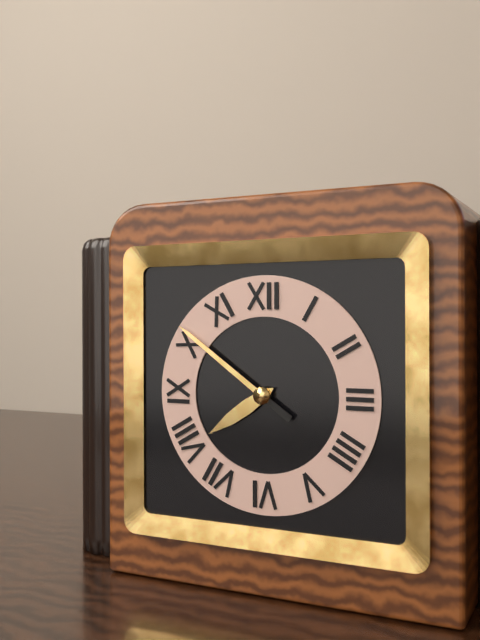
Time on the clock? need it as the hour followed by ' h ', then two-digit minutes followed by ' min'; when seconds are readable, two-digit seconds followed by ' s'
7 h 51 min
